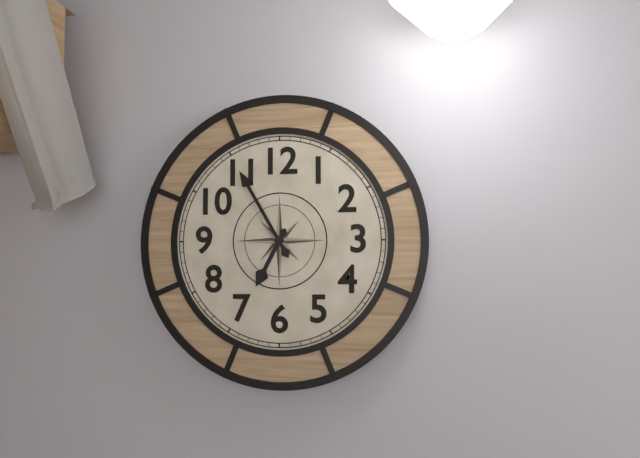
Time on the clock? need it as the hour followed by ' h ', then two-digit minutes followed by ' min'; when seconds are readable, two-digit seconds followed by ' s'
6 h 55 min
